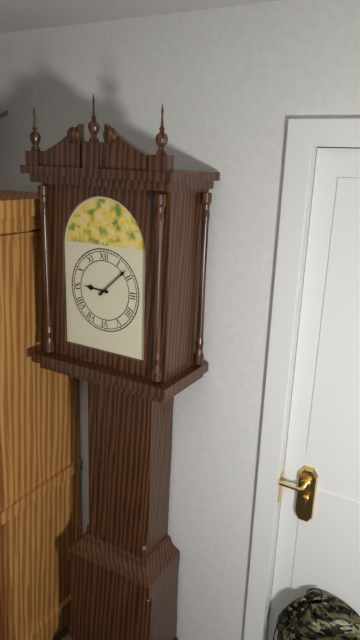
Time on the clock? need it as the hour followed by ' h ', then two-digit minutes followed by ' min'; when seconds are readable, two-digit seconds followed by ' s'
9 h 08 min
